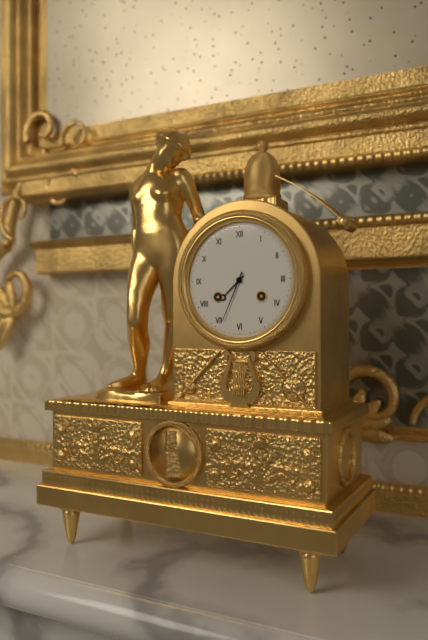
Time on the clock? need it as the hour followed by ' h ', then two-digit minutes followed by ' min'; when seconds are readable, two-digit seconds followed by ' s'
7 h 34 min
